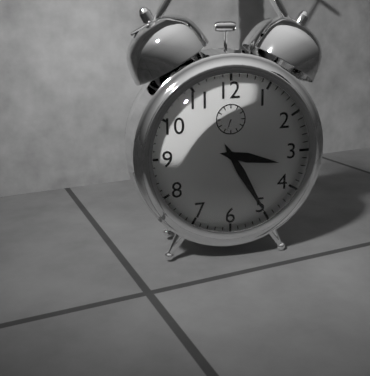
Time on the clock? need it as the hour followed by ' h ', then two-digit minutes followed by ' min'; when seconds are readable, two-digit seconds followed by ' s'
3 h 25 min
